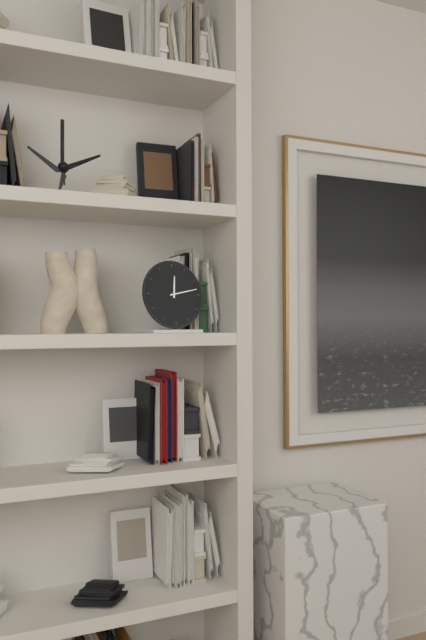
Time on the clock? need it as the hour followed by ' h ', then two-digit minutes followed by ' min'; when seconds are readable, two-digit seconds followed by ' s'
12 h 13 min
